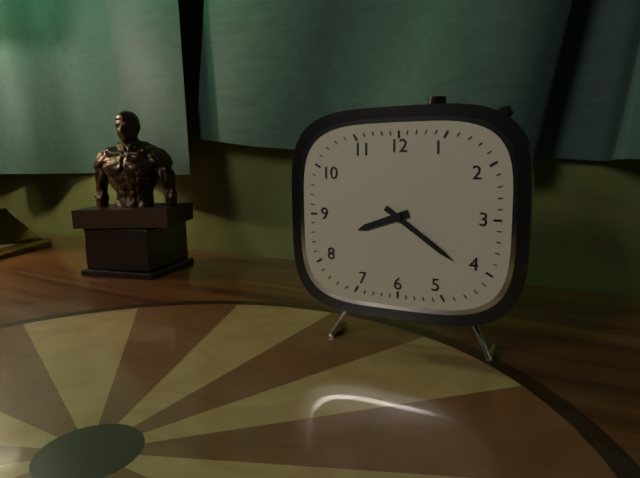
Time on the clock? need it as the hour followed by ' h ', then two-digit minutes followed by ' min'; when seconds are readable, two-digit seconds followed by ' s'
8 h 21 min
